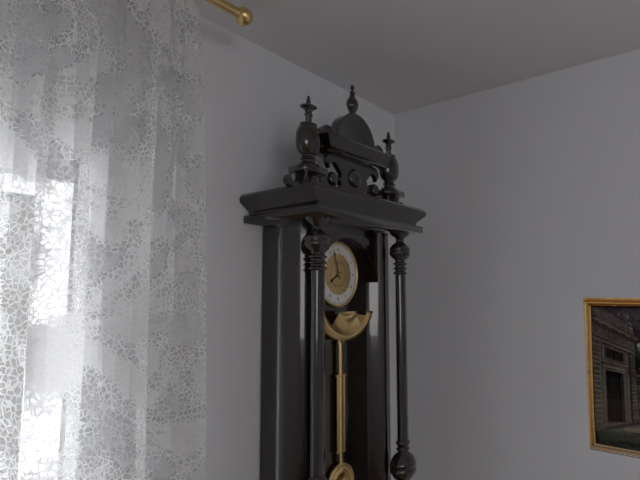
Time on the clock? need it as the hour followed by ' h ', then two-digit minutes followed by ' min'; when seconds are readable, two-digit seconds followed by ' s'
7 h 57 min
